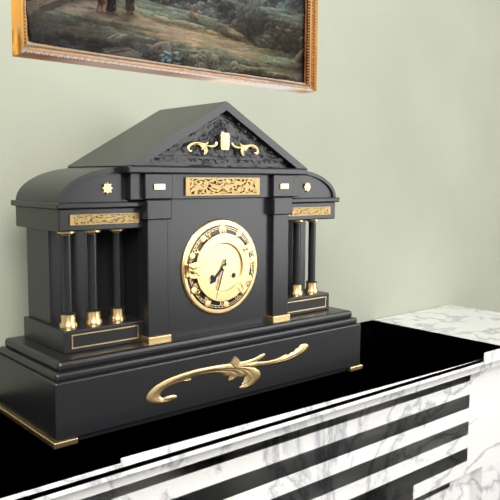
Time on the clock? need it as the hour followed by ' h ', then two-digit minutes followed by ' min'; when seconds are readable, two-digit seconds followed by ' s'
7 h 33 min
